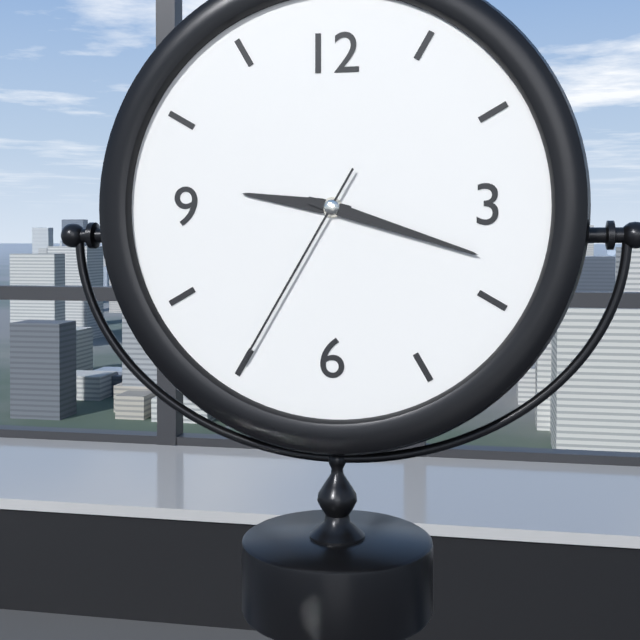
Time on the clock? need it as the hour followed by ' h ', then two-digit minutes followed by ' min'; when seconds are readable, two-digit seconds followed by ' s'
9 h 18 min 35 s
